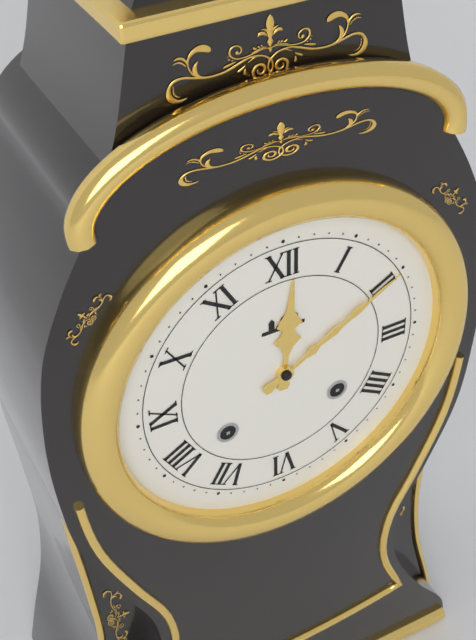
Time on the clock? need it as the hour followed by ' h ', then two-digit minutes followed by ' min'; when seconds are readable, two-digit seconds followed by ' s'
12 h 10 min
